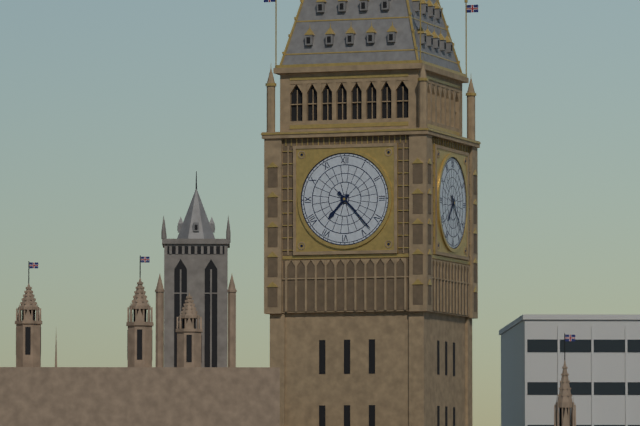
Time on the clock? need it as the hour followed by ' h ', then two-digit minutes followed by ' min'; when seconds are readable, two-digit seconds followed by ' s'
7 h 23 min
